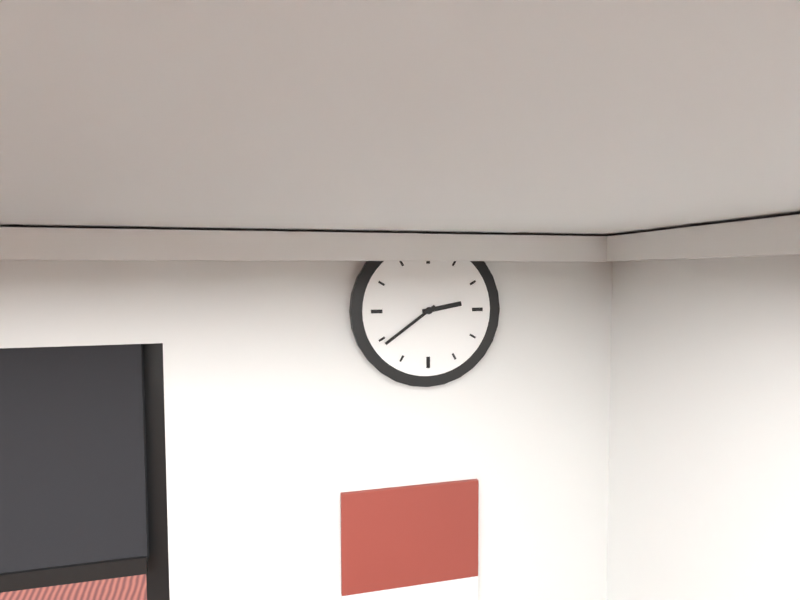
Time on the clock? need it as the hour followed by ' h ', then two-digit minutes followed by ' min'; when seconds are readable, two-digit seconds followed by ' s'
2 h 39 min
